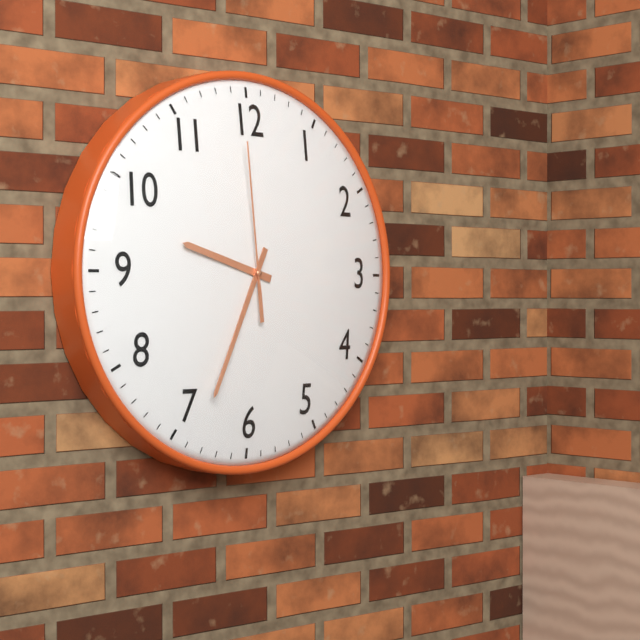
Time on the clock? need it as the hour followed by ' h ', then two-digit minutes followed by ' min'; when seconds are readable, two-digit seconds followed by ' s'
9 h 34 min 59 s
